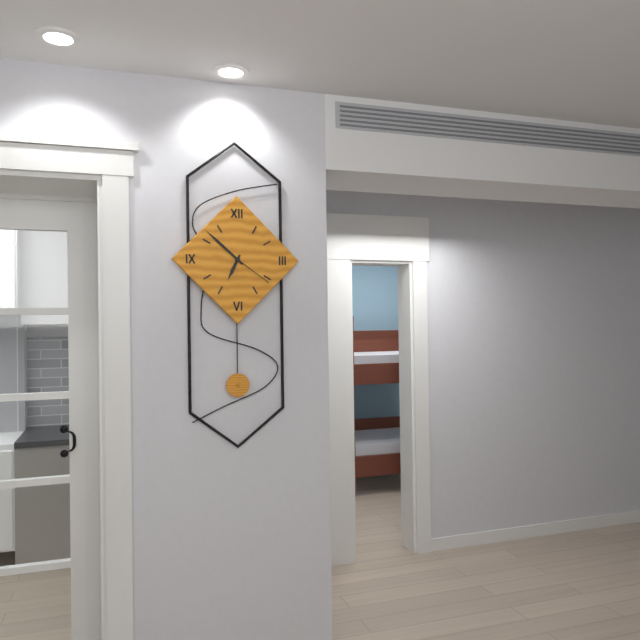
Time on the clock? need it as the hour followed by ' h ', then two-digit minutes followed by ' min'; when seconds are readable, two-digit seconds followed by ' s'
6 h 52 min 21 s
